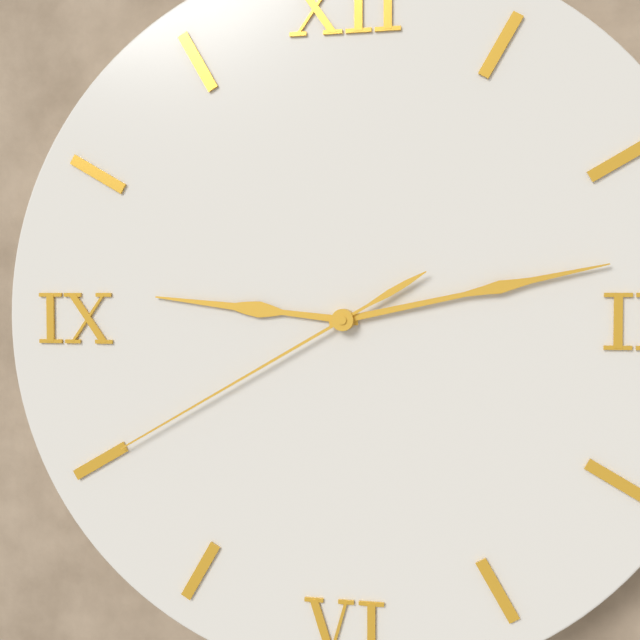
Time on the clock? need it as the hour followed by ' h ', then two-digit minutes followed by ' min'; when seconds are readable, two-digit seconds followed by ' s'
9 h 13 min 40 s
